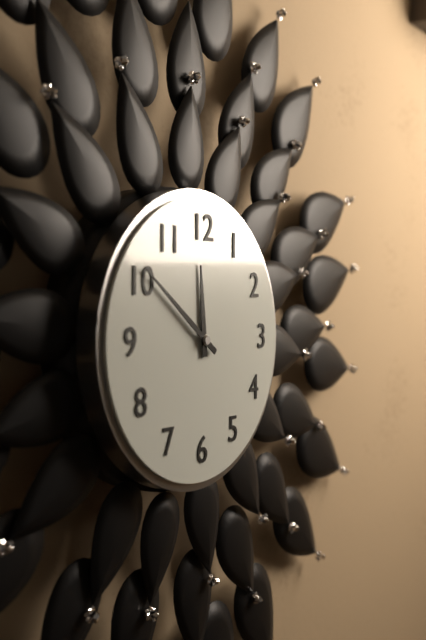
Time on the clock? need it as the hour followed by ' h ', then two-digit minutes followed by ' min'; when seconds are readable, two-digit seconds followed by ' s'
11 h 51 min
